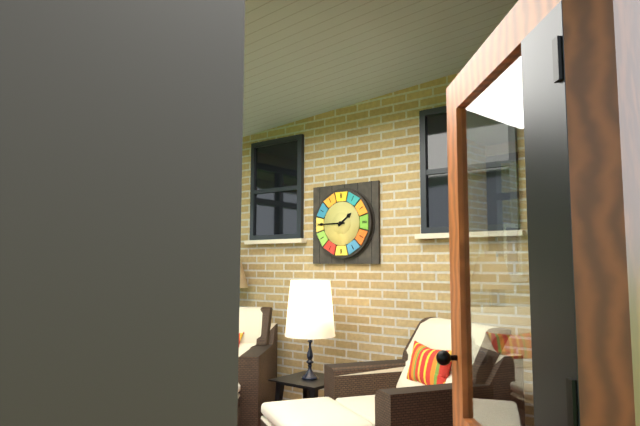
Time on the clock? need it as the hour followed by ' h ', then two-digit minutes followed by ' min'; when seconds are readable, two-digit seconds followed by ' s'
1 h 45 min
